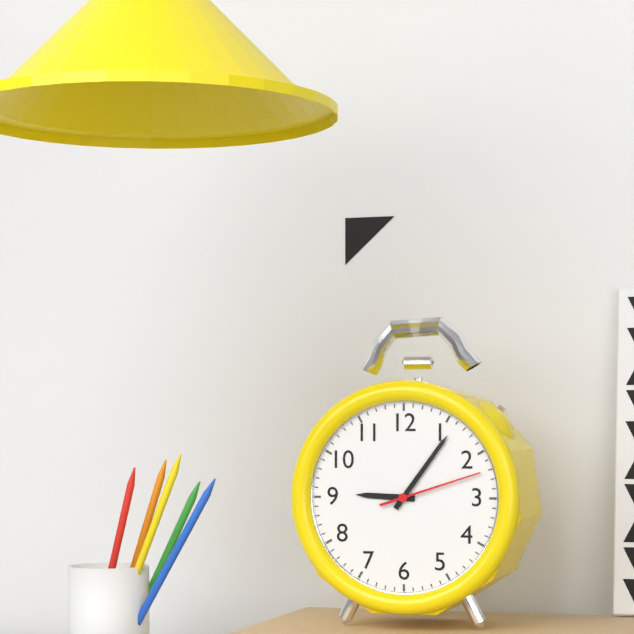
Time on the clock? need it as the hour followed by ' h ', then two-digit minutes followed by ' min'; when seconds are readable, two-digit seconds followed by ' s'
9 h 06 min 12 s
